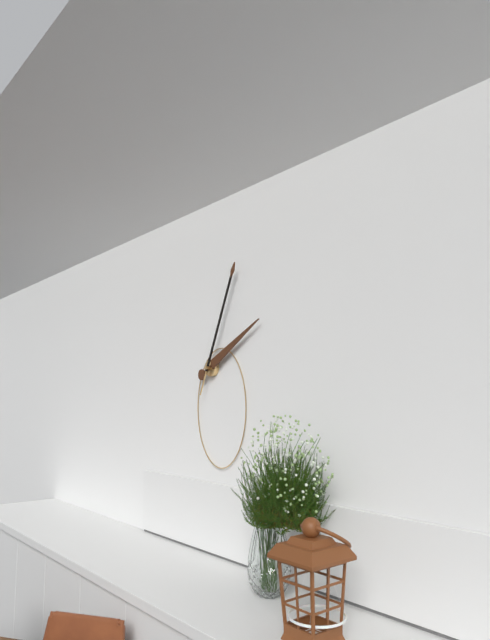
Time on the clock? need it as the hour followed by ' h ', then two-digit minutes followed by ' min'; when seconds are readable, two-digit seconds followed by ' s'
2 h 04 min
